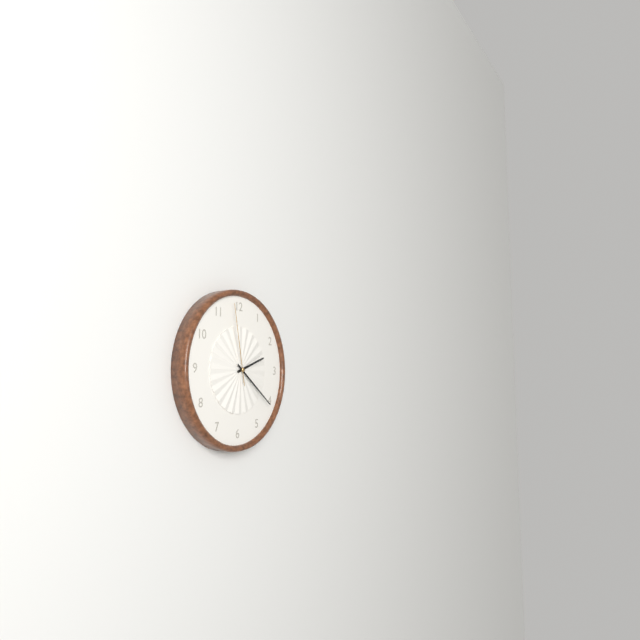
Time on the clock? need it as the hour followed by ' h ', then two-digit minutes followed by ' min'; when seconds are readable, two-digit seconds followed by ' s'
2 h 21 min 58 s
